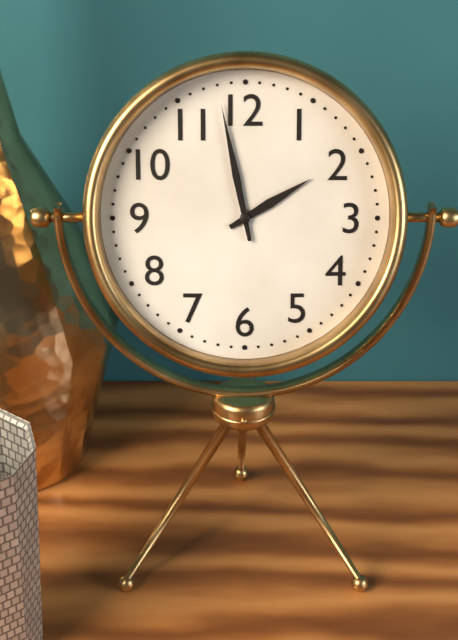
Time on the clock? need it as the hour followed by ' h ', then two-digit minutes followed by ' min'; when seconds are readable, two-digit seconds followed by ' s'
1 h 58 min
